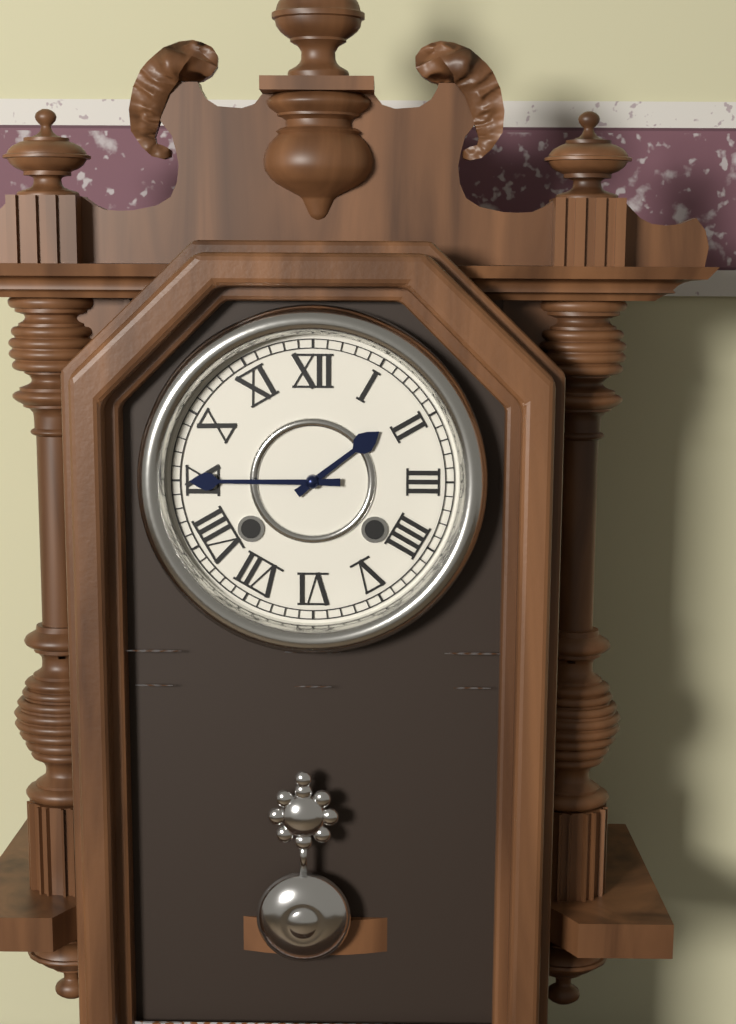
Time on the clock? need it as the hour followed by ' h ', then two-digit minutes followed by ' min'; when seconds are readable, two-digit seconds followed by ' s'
1 h 45 min
